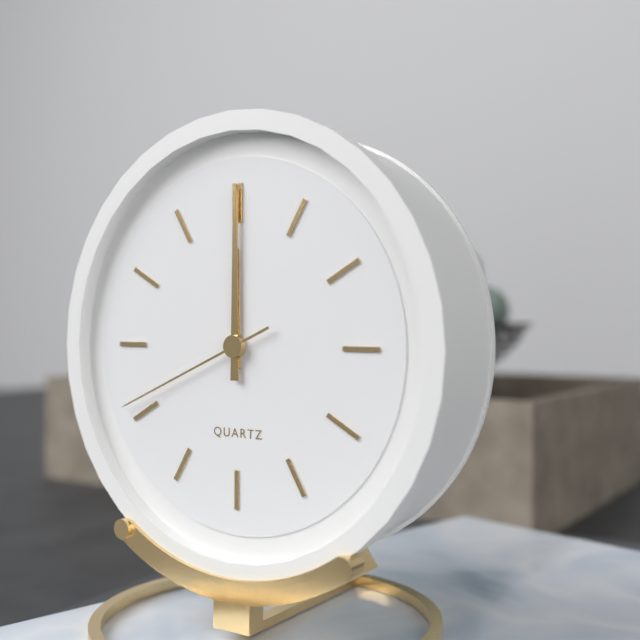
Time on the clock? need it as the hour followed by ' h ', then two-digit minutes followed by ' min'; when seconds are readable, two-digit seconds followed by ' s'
12 h 00 min 41 s
